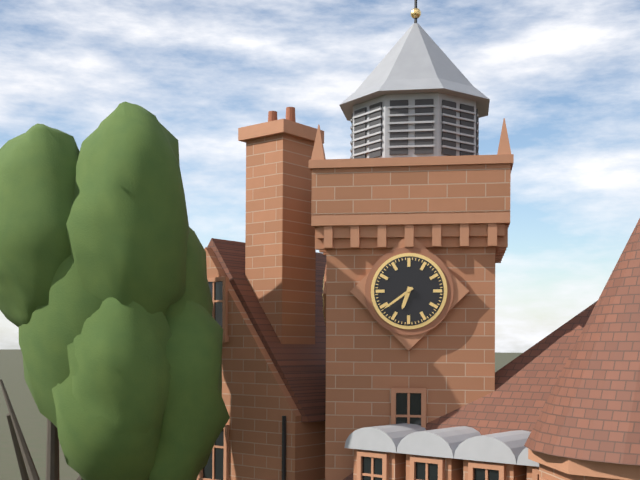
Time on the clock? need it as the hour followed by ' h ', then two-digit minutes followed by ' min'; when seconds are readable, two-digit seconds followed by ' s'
6 h 39 min
